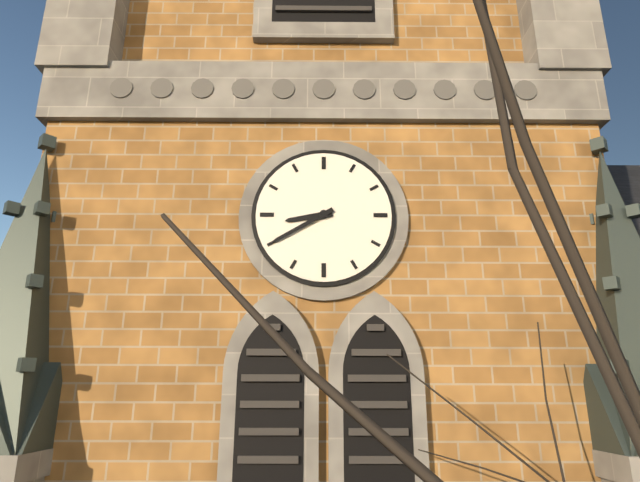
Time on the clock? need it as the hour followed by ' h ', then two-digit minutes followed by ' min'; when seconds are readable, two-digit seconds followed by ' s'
8 h 40 min
